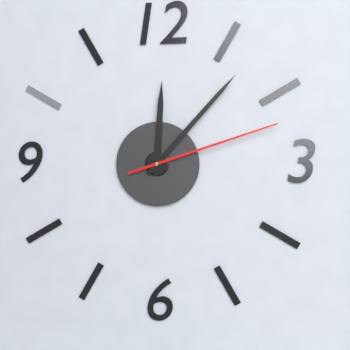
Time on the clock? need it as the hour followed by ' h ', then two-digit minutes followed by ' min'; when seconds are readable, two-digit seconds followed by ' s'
12 h 07 min 12 s
